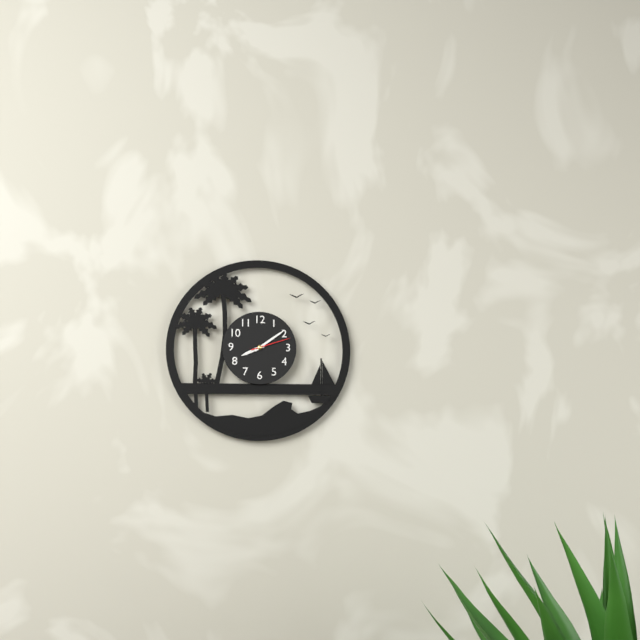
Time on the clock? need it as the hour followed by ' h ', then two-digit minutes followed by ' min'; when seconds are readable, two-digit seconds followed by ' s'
8 h 09 min
